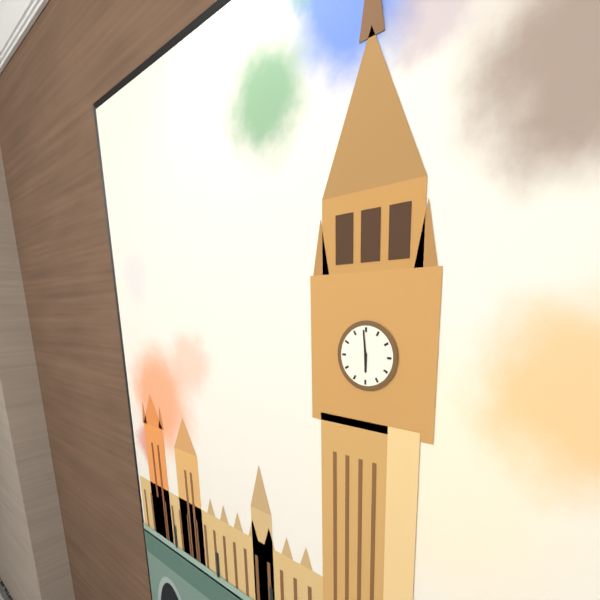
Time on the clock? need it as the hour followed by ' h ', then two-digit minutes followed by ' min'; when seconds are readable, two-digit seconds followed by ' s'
5 h 59 min
